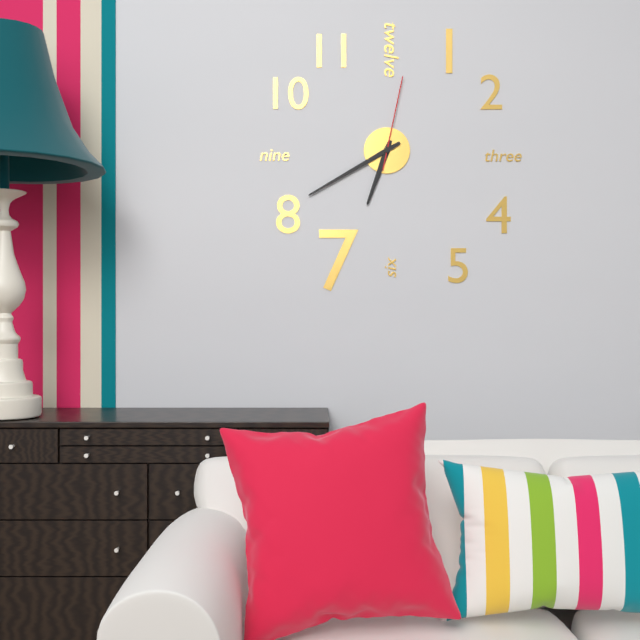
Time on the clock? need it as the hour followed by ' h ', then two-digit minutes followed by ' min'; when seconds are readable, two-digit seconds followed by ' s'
6 h 40 min 02 s
